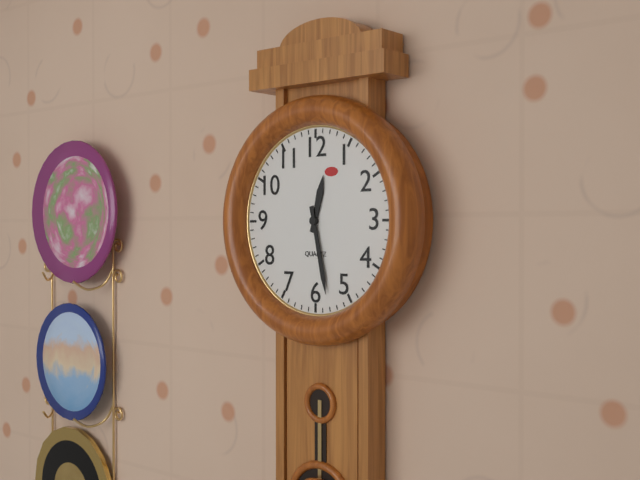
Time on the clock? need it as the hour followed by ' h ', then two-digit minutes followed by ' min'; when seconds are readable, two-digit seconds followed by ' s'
12 h 28 min
